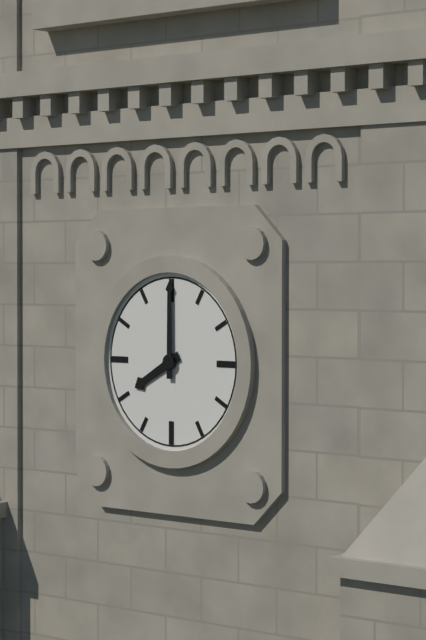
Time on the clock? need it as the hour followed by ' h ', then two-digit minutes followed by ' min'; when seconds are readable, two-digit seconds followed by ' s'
8 h 00 min
